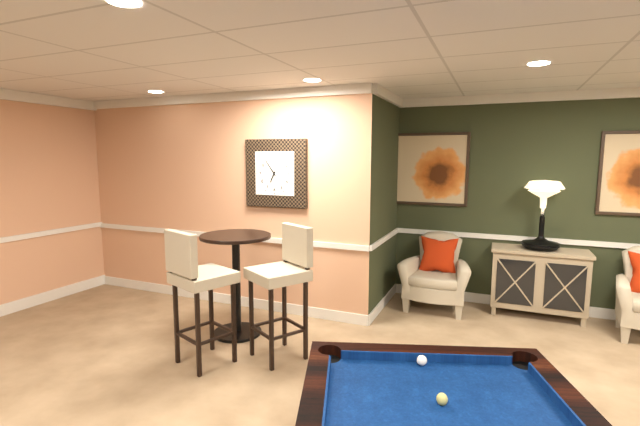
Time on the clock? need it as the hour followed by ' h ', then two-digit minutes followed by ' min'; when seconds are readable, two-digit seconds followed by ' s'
6 h 54 min
